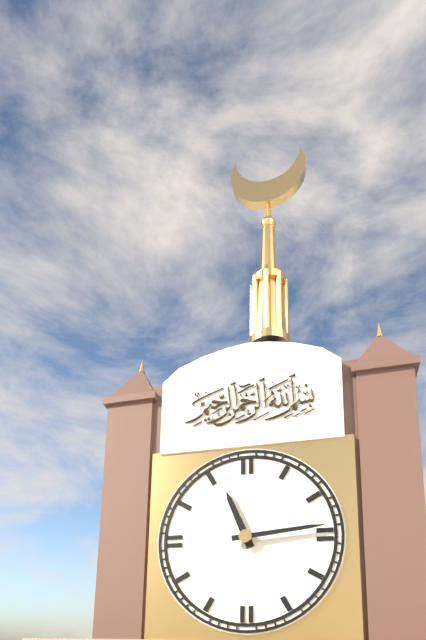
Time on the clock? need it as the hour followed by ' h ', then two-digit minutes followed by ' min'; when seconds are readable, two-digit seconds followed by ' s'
11 h 14 min
